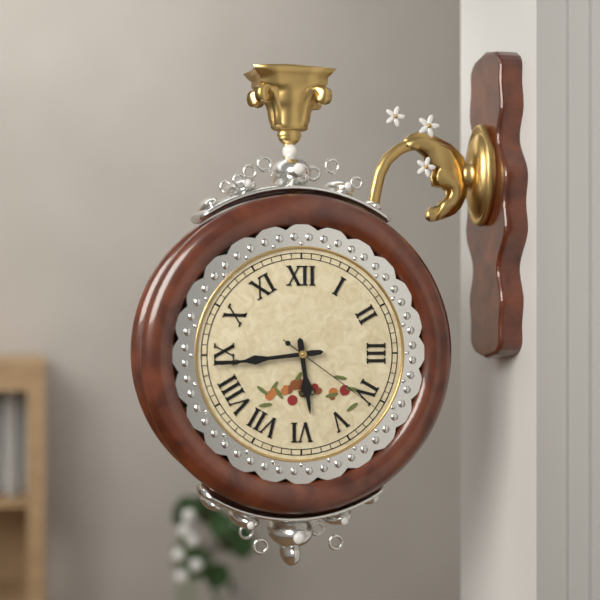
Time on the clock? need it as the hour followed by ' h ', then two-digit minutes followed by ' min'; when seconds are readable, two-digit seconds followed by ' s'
5 h 44 min 21 s
